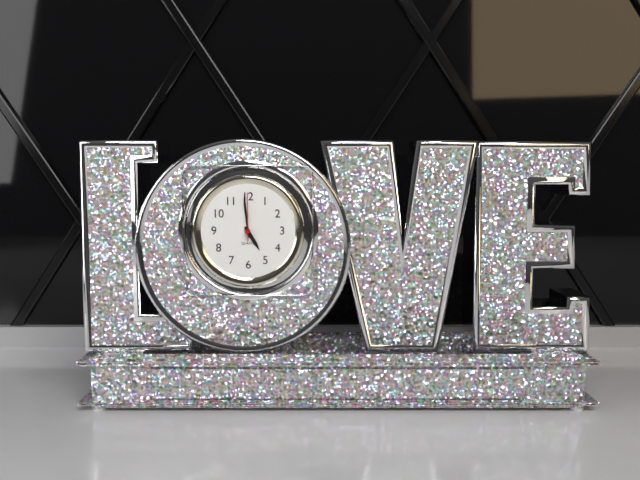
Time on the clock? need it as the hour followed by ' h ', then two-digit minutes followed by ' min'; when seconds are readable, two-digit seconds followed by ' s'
4 h 59 min
